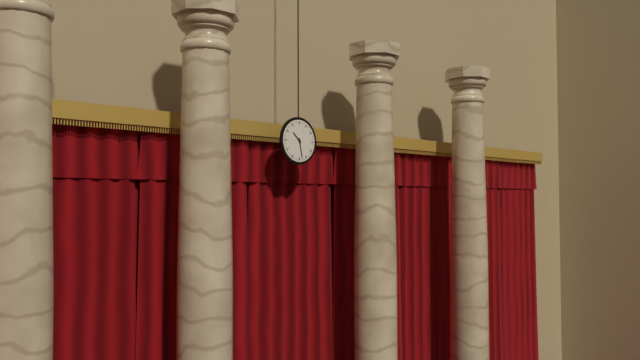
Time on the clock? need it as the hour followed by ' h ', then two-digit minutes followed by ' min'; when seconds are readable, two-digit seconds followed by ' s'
10 h 28 min
